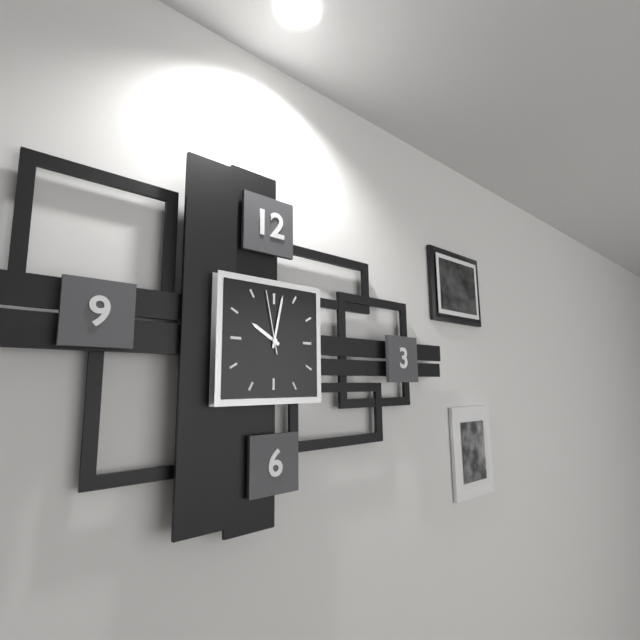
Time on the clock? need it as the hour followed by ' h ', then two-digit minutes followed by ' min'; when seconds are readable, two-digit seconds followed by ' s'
10 h 02 min 58 s
